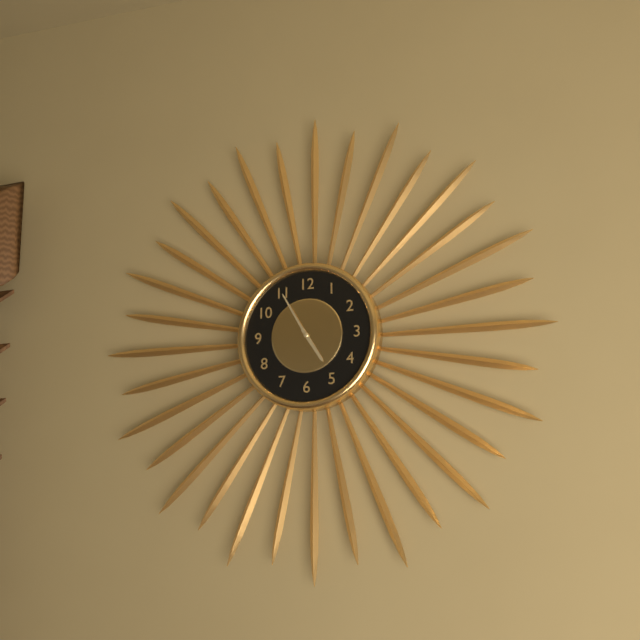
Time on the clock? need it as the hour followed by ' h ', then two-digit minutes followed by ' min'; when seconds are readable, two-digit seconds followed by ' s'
4 h 55 min
